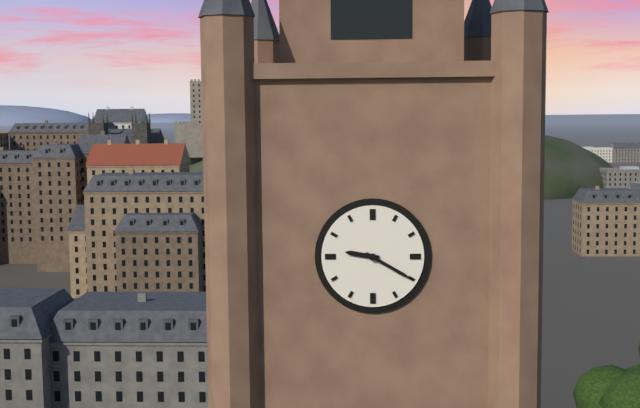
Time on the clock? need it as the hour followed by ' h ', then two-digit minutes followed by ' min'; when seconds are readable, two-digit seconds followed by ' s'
9 h 20 min
